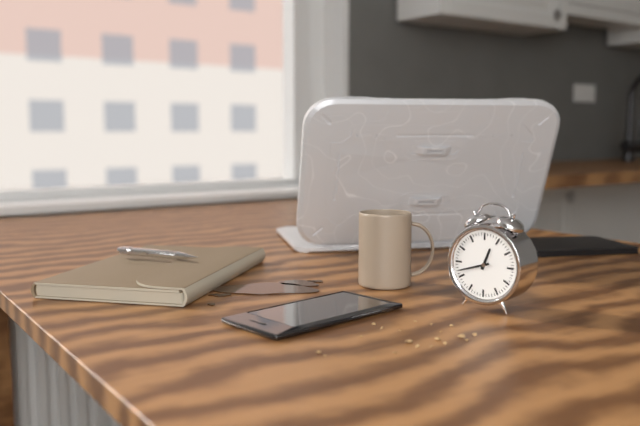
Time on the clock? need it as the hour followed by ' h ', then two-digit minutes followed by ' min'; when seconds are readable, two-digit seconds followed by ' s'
12 h 42 min
